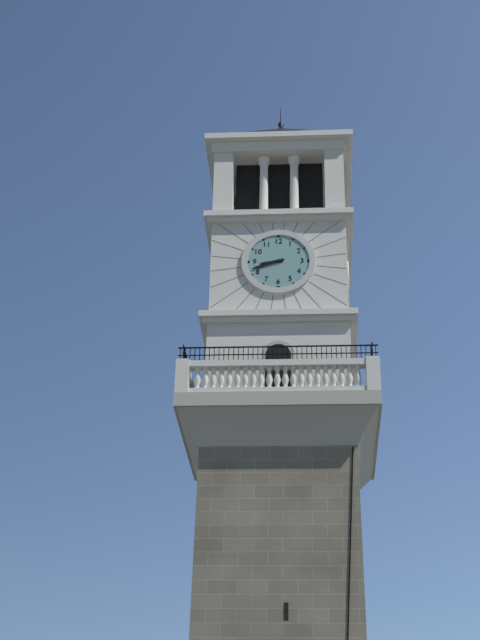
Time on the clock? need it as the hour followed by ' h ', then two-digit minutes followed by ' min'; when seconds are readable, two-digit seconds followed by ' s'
8 h 42 min
